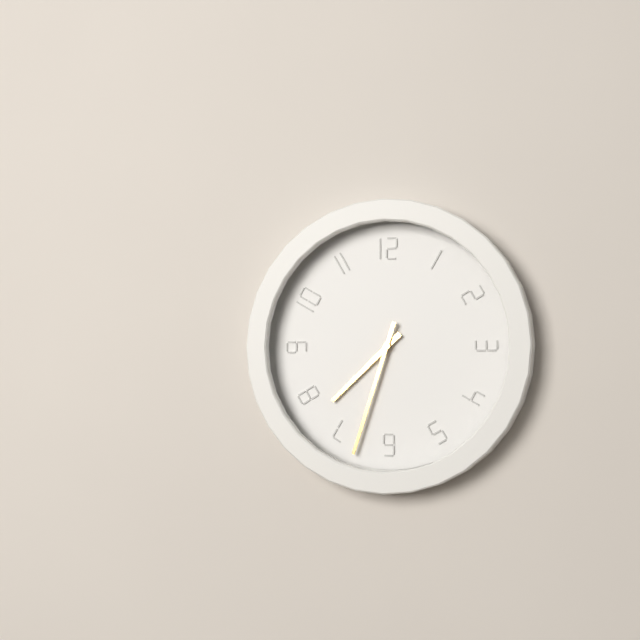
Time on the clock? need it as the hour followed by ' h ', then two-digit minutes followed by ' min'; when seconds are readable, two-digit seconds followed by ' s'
7 h 33 min
